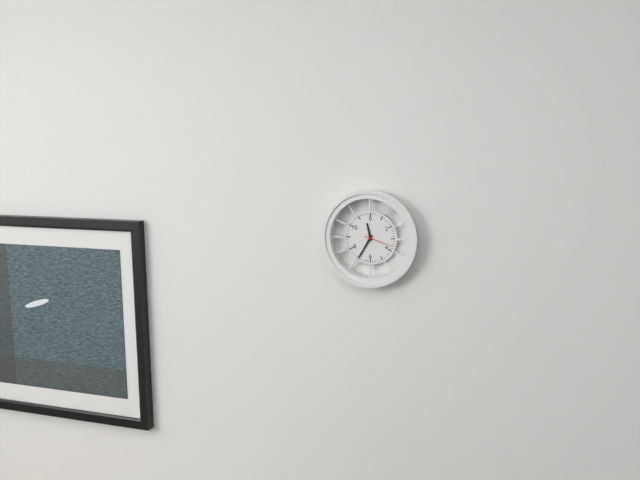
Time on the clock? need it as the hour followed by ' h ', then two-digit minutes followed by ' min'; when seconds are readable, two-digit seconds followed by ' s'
11 h 35 min
